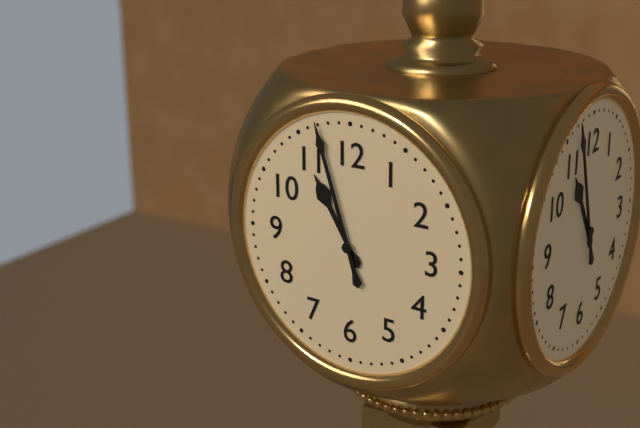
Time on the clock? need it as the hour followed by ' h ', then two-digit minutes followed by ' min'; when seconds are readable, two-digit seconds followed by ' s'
10 h 57 min
